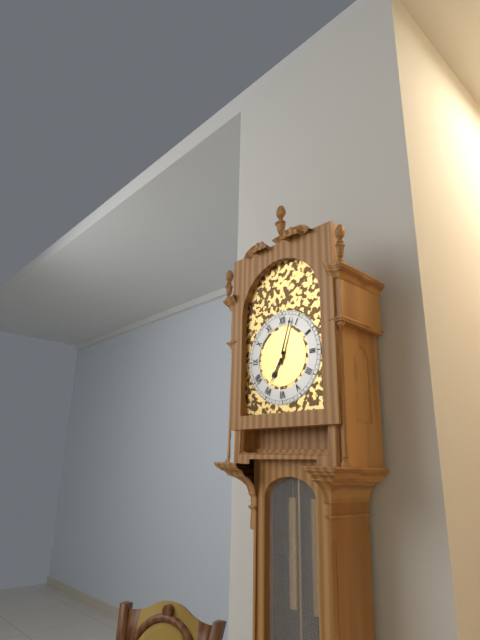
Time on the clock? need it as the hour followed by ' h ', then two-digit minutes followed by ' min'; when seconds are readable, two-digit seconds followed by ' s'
7 h 03 min
